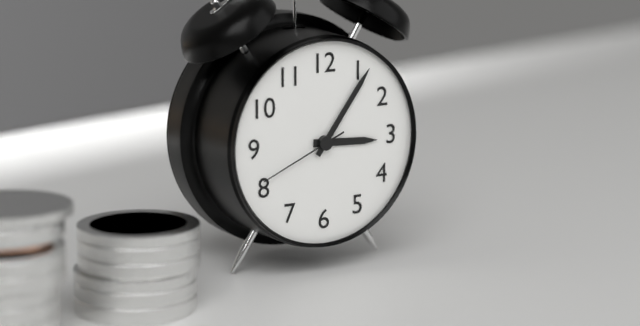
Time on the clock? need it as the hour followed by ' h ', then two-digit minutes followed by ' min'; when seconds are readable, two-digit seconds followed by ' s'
3 h 06 min 41 s
